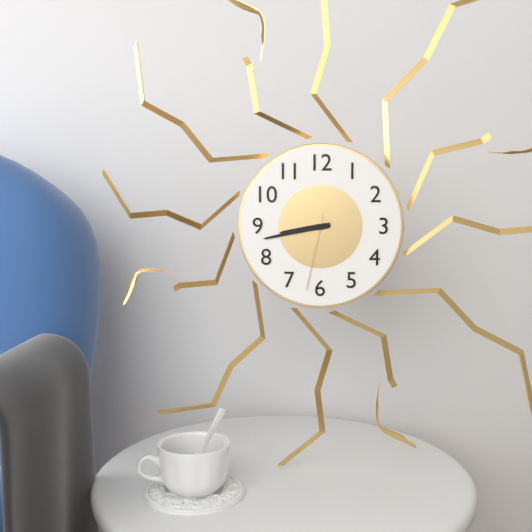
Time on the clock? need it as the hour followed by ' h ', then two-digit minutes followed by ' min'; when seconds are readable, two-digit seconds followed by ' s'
8 h 43 min 32 s
